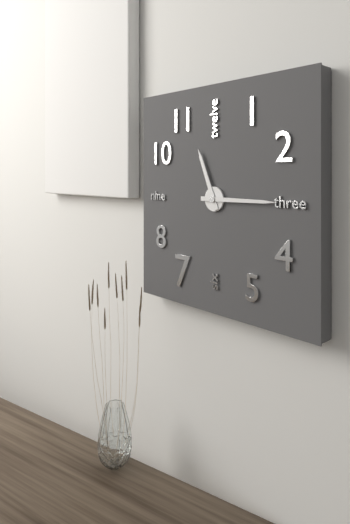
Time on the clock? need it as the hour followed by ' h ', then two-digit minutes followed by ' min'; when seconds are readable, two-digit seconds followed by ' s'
11 h 15 min
